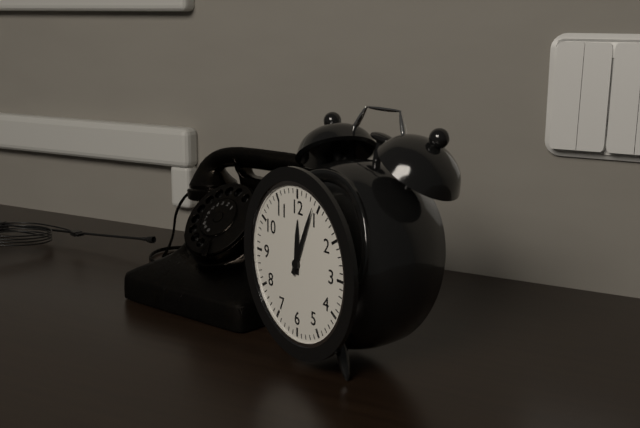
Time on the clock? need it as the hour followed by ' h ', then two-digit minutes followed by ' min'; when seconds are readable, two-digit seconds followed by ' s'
12 h 04 min
